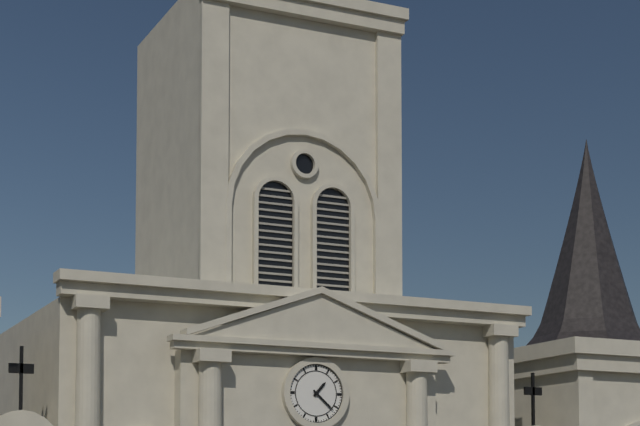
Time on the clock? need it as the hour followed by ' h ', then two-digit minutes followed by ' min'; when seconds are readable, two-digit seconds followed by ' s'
1 h 22 min
